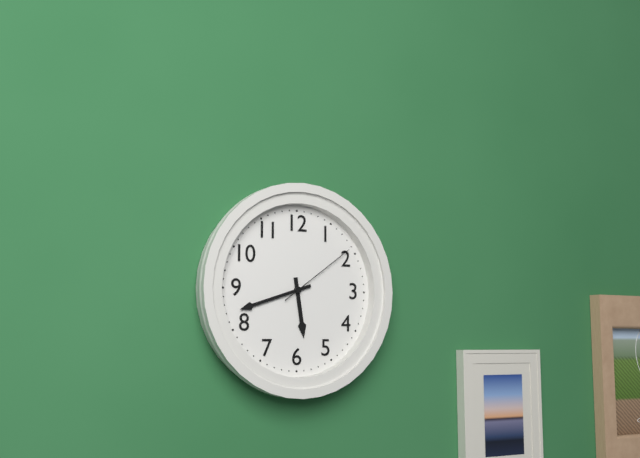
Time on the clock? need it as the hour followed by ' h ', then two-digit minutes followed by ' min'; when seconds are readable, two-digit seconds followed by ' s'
5 h 42 min 09 s
